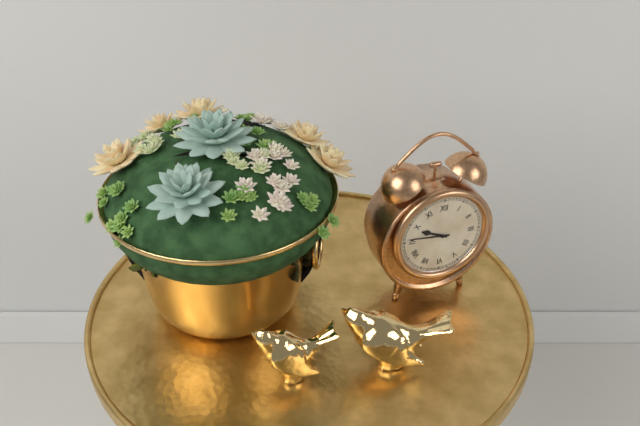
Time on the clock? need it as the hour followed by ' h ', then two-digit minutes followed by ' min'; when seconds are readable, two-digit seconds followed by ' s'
9 h 46 min
